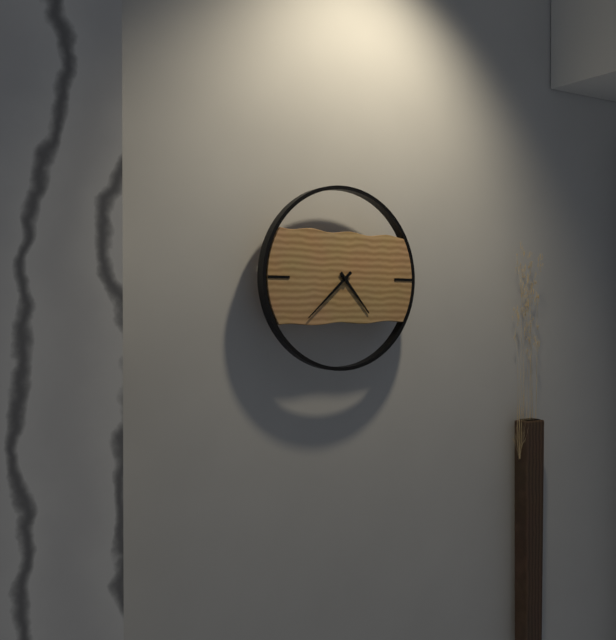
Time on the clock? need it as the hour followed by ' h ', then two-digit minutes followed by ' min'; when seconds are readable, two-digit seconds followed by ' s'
4 h 38 min
